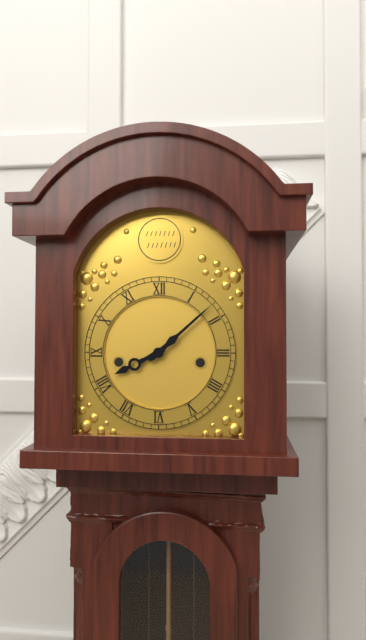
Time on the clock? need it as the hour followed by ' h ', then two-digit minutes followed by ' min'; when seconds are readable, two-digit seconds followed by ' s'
8 h 08 min
